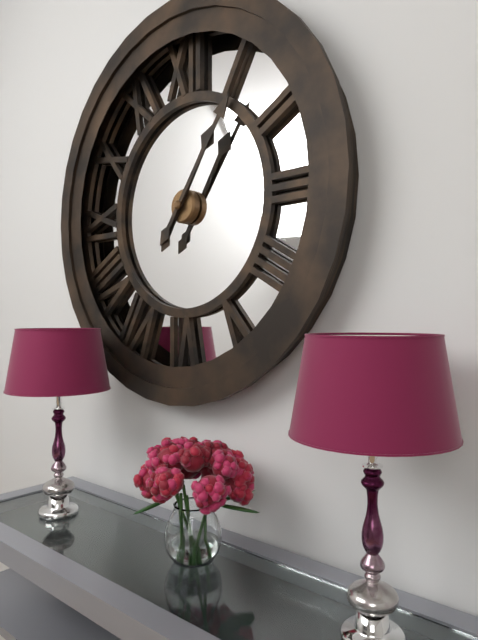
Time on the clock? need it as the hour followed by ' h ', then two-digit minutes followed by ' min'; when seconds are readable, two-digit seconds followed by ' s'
1 h 06 min
